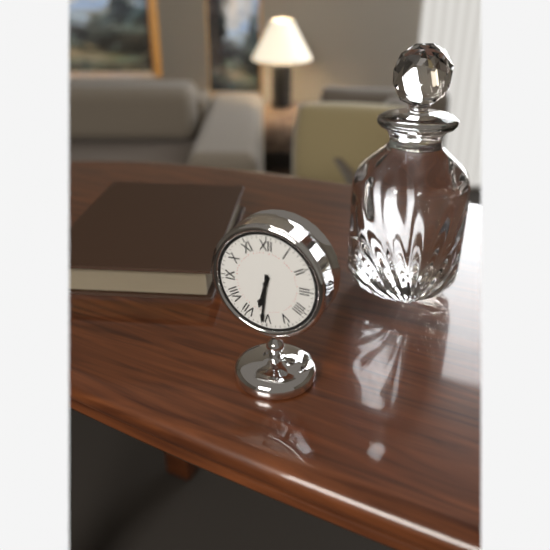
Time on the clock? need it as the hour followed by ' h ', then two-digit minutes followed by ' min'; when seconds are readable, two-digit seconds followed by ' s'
6 h 31 min
